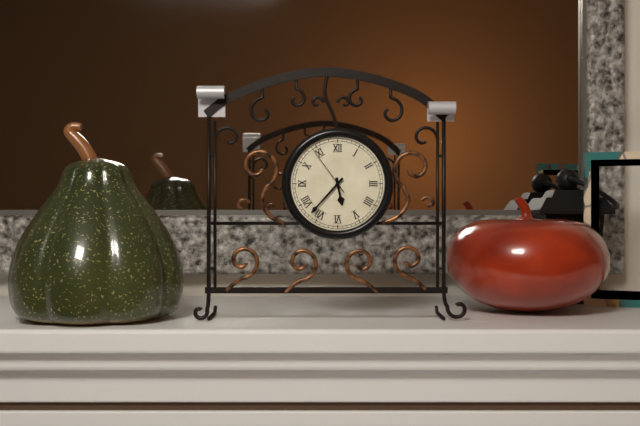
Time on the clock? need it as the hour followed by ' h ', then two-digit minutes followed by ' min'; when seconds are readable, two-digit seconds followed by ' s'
5 h 37 min 54 s
